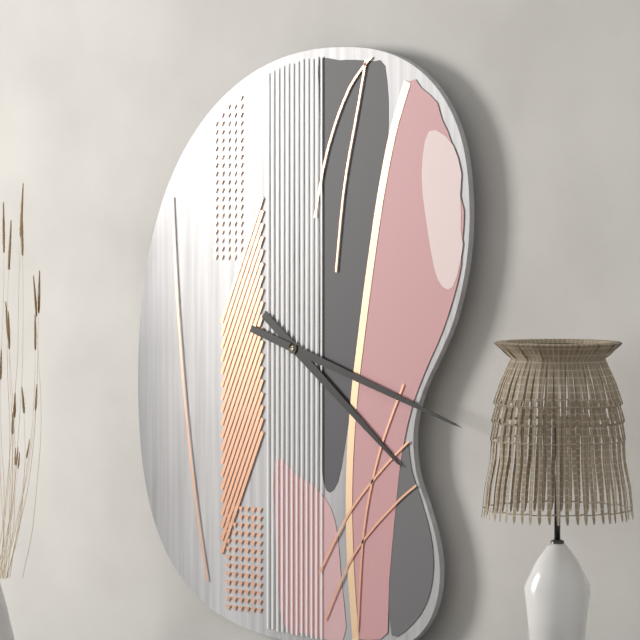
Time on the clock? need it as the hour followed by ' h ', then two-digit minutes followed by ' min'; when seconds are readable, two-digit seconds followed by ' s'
4 h 18 min
